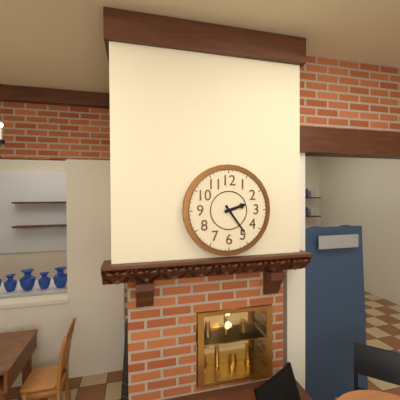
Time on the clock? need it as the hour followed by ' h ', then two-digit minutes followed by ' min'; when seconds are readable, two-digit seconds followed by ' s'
2 h 24 min
